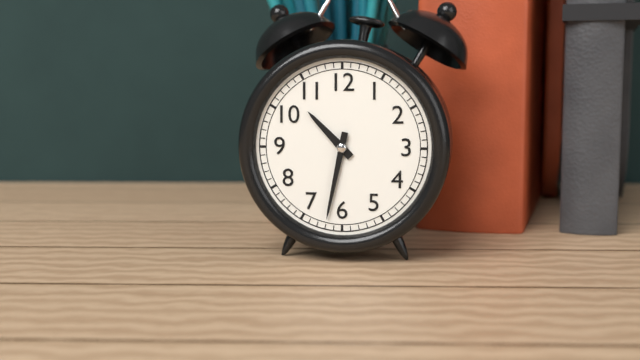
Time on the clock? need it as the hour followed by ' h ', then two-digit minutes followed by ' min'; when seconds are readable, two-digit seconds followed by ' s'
10 h 32 min
